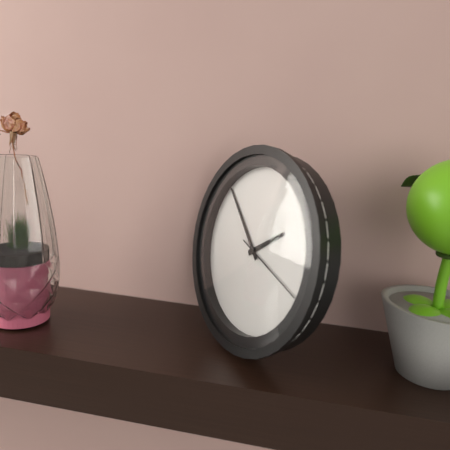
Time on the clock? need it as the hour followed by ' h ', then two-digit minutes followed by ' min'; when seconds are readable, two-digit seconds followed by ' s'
1 h 52 min 18 s
